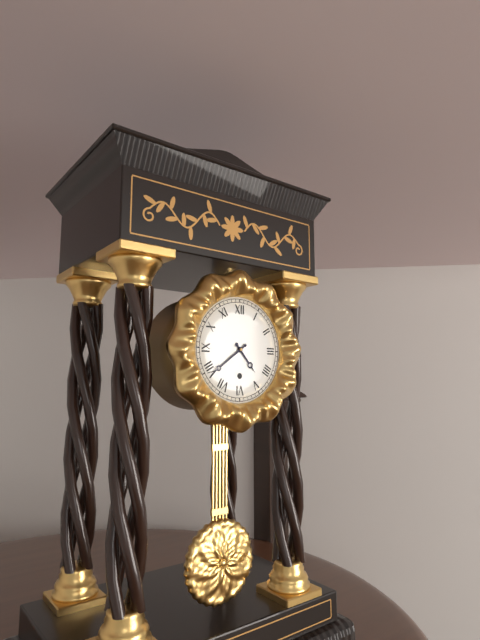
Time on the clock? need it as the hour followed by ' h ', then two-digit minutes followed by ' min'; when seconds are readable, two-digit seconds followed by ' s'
4 h 39 min
